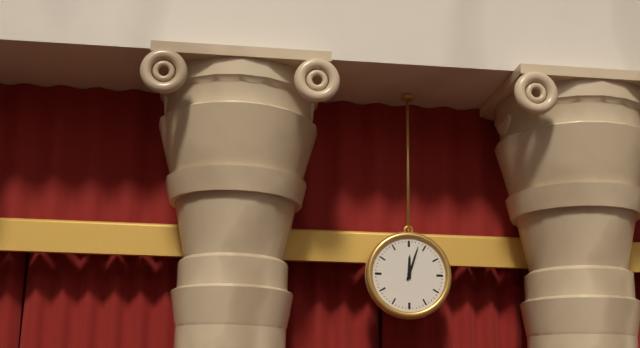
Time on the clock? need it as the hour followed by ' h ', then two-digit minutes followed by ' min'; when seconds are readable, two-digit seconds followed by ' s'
12 h 03 min
